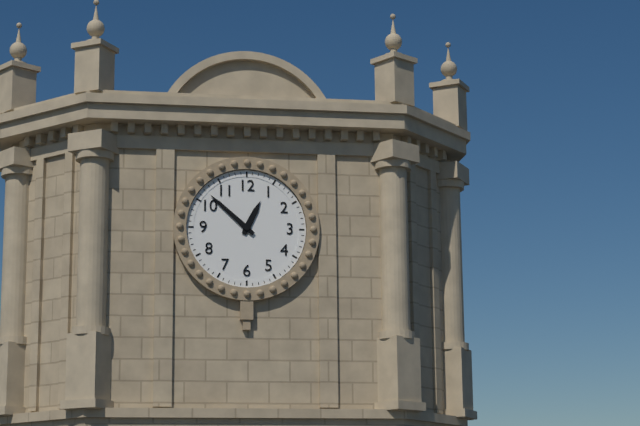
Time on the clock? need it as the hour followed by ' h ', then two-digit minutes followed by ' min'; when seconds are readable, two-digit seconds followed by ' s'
12 h 52 min
